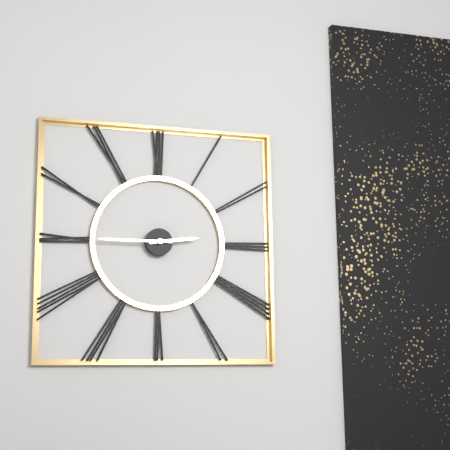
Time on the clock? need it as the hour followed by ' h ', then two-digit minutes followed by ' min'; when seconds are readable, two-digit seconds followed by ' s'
2 h 45 min
